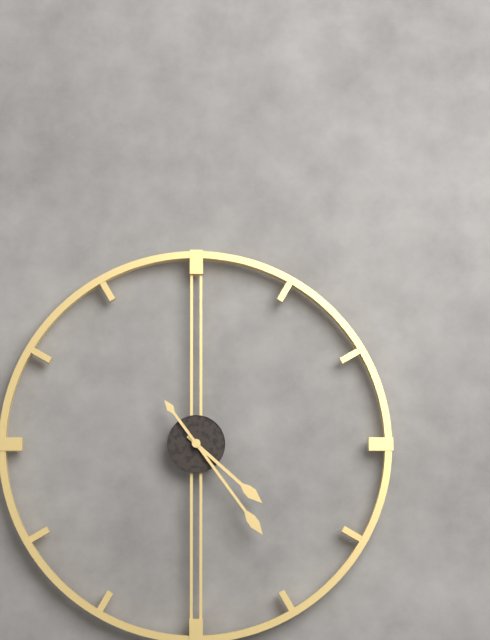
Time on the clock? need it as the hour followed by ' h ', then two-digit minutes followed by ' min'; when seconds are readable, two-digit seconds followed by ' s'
4 h 24 min
